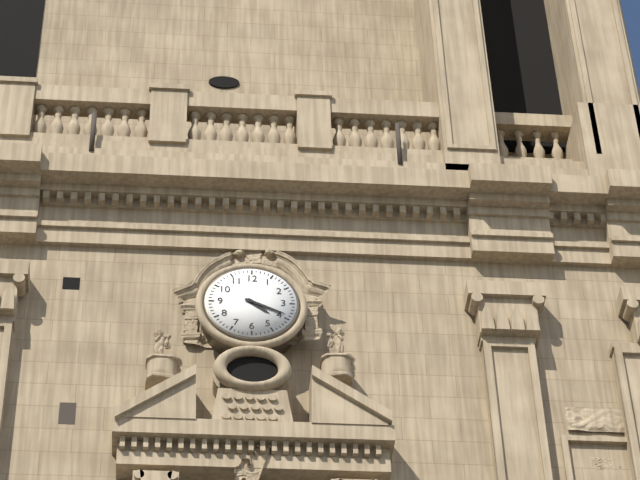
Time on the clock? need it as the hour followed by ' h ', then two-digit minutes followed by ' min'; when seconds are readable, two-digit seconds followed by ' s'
4 h 19 min
